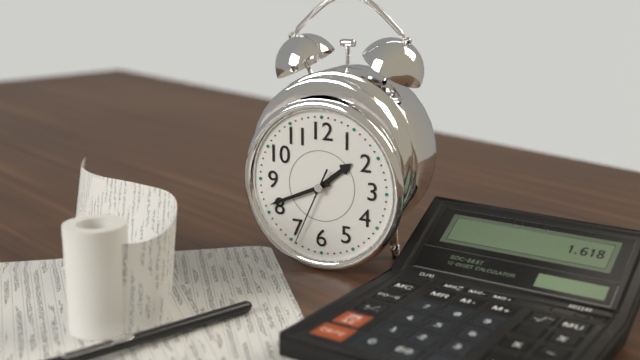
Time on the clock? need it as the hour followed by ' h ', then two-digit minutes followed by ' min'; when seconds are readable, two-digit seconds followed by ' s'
1 h 41 min 34 s
